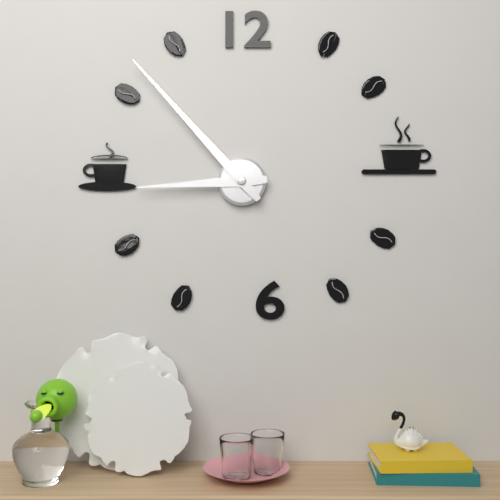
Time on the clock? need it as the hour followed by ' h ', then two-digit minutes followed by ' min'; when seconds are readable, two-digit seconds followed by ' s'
8 h 53 min
